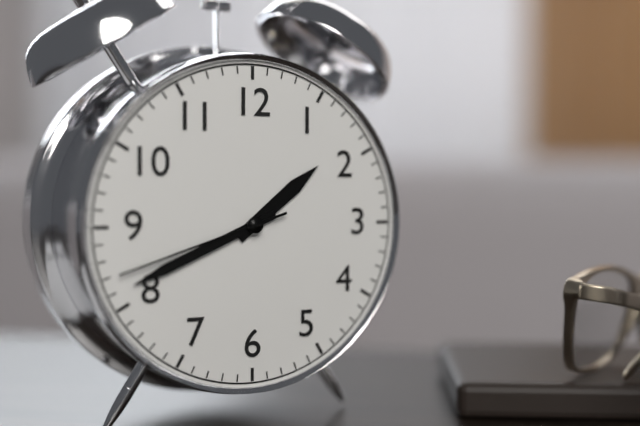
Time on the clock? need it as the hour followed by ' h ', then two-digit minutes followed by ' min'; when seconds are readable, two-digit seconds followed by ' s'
1 h 41 min 42 s
